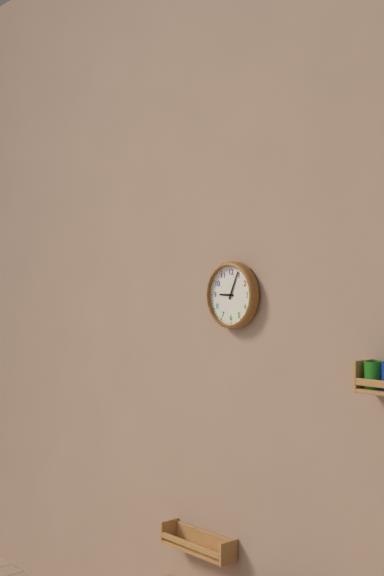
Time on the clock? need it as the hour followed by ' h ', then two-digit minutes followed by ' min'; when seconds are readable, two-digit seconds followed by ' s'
9 h 04 min
